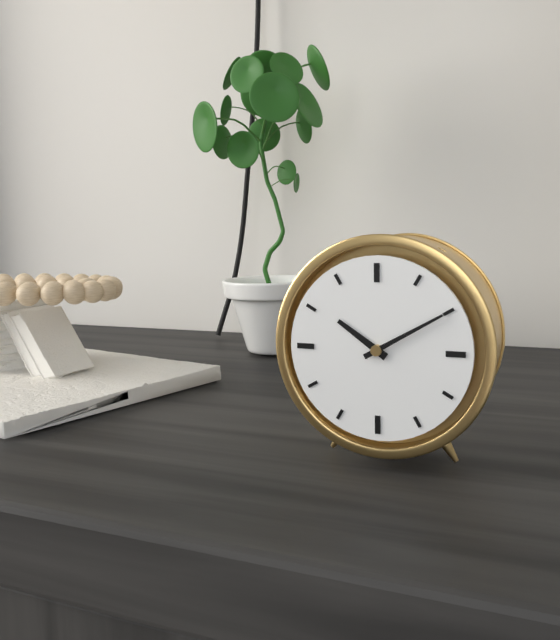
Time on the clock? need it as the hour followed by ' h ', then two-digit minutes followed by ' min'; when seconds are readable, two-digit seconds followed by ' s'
10 h 10 min
